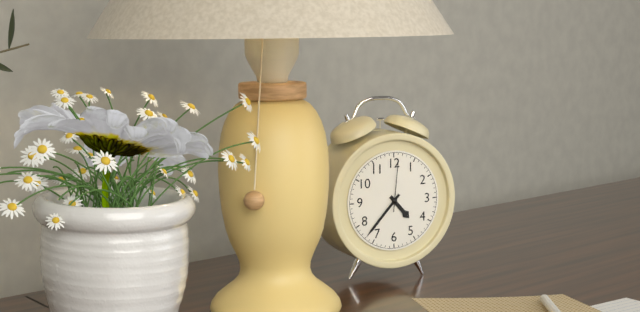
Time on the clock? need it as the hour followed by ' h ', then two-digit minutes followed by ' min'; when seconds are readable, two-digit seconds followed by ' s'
4 h 37 min 01 s
